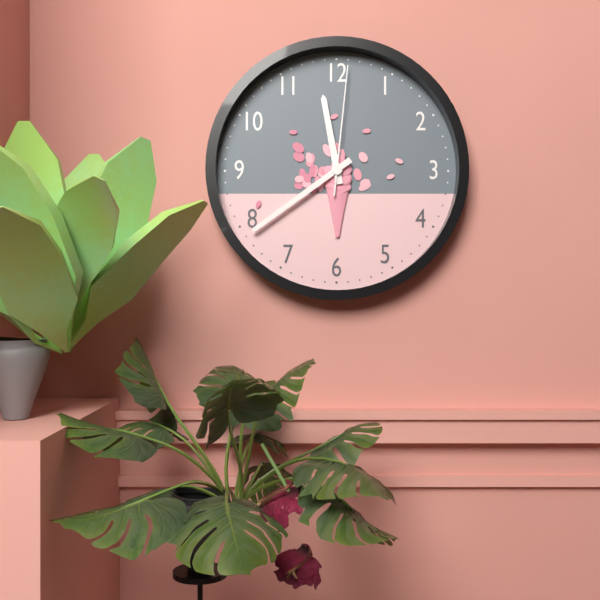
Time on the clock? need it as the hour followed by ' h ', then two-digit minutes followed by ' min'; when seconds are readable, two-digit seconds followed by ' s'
11 h 39 min 01 s
